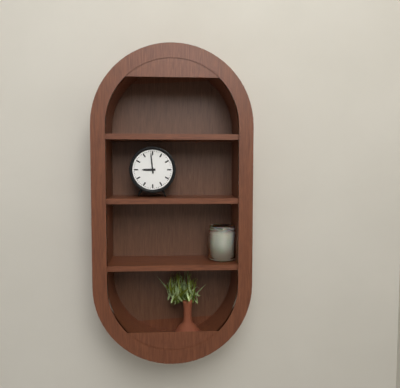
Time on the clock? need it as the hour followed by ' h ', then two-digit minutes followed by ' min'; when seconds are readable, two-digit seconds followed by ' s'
8 h 59 min
